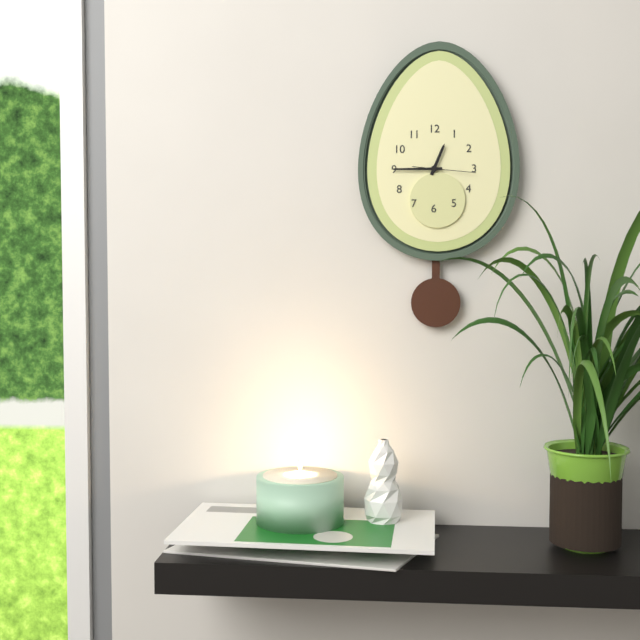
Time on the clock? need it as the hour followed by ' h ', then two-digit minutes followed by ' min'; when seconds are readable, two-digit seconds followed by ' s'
12 h 45 min 16 s
